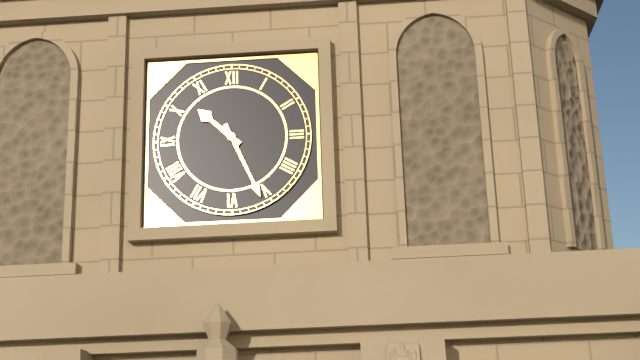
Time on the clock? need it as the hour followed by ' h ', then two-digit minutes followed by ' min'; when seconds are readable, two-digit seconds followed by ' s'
10 h 26 min
